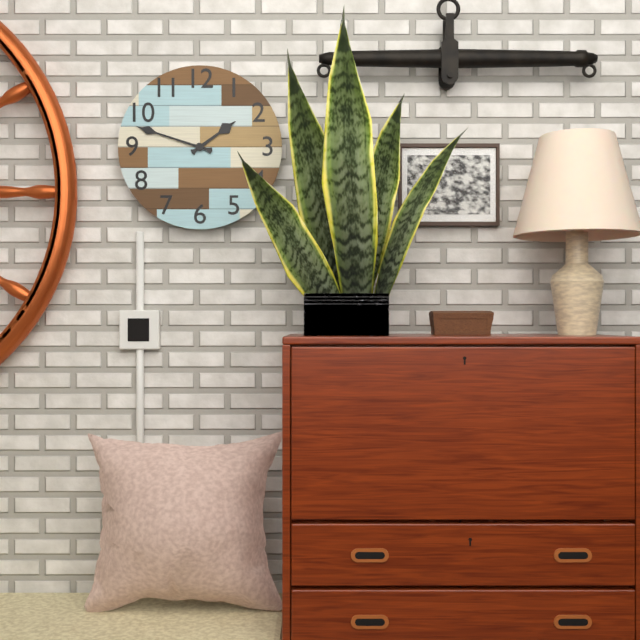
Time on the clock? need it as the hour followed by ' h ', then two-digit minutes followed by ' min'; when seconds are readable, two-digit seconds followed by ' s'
1 h 48 min
